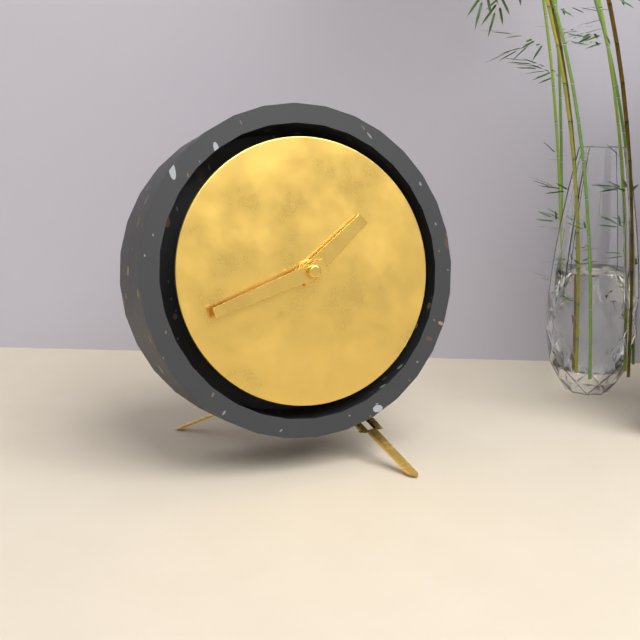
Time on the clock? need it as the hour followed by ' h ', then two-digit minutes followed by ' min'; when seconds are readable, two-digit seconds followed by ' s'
1 h 42 min
